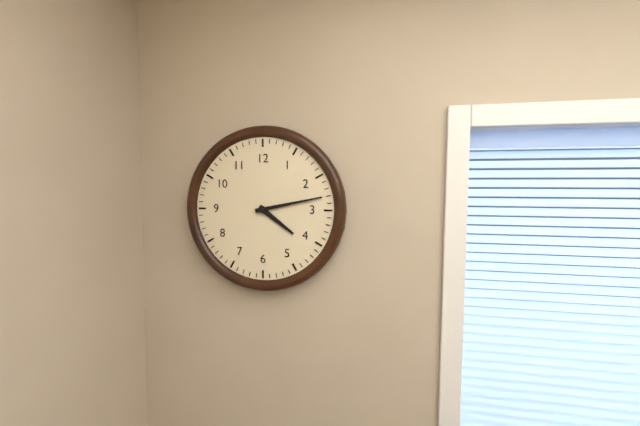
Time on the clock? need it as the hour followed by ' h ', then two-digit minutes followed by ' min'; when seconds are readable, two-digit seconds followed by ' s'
4 h 13 min
